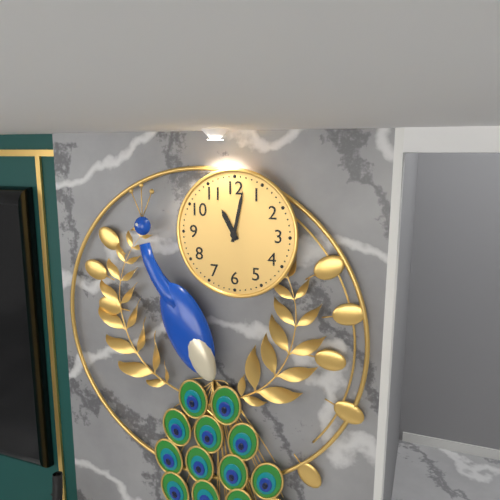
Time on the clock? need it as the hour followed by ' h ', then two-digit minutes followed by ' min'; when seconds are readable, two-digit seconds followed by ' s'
11 h 02 min
